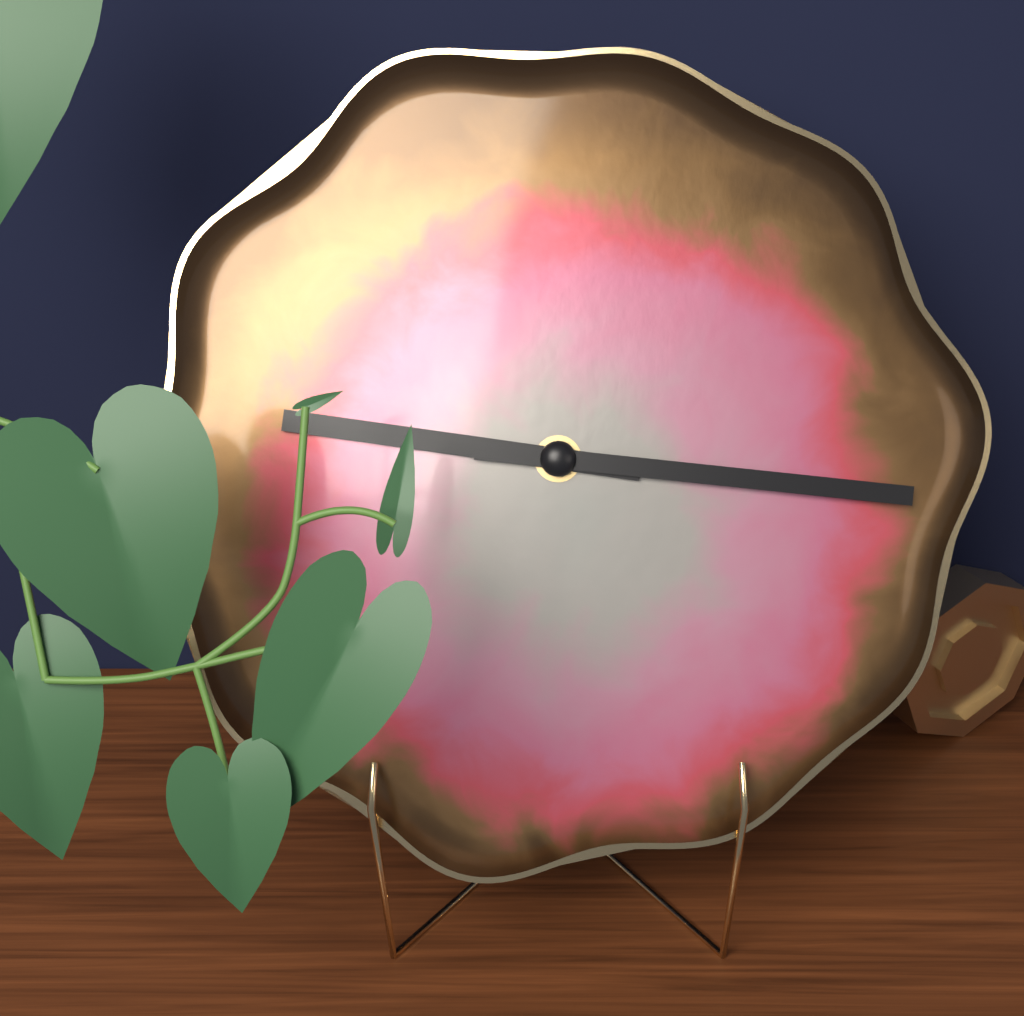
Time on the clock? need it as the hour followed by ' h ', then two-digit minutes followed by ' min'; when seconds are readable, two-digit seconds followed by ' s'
9 h 16 min
